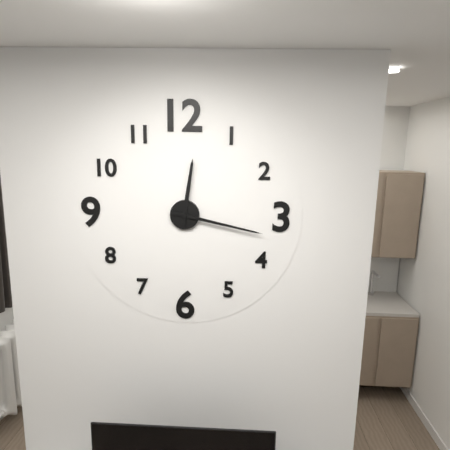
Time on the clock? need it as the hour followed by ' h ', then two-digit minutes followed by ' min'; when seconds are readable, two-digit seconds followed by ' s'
12 h 17 min
